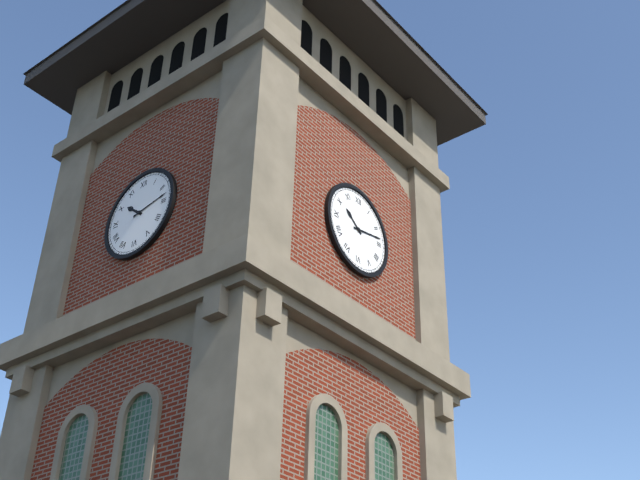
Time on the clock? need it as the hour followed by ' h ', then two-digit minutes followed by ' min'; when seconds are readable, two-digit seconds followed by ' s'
10 h 13 min
